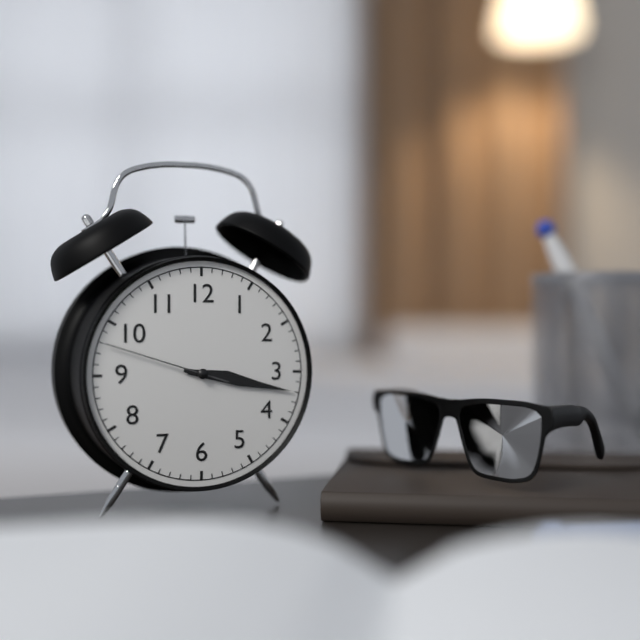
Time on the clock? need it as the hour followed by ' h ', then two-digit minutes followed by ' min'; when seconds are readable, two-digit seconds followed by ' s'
3 h 17 min 48 s
